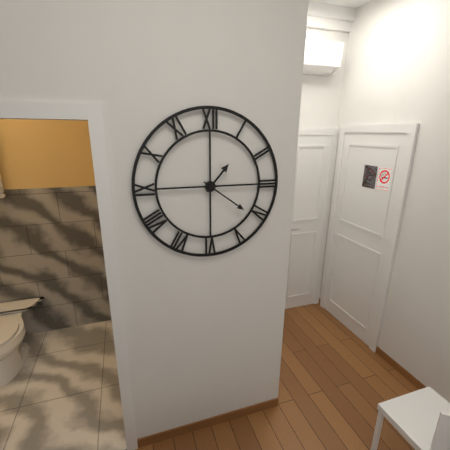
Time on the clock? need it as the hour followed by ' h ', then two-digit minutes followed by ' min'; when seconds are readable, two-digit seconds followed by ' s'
1 h 21 min
